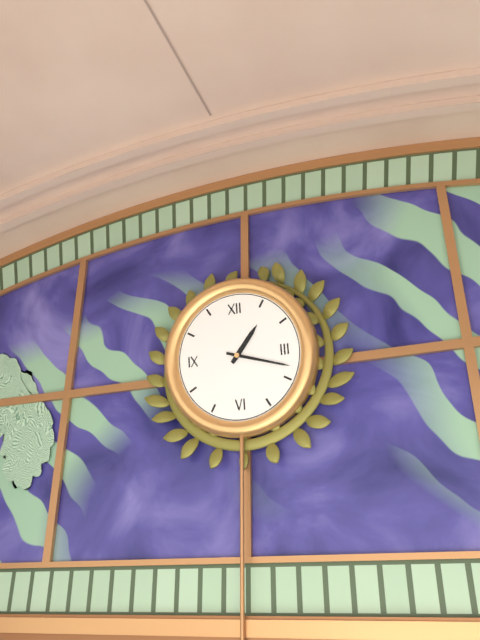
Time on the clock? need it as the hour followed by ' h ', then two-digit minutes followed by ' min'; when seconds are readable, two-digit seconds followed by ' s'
1 h 18 min
